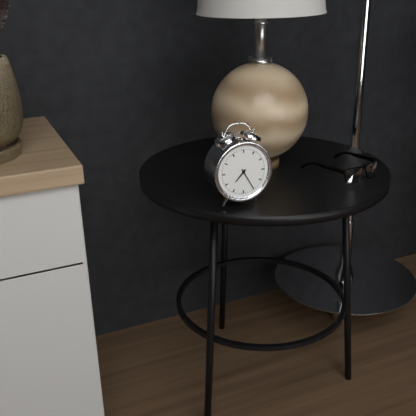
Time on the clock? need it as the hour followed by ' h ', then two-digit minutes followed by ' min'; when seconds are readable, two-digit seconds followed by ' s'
7 h 25 min
